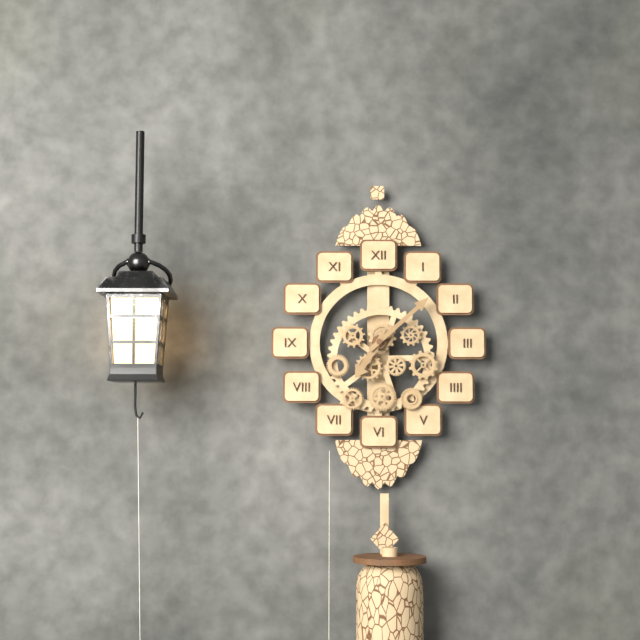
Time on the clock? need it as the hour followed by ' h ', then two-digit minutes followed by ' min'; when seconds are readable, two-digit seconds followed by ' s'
7 h 08 min
